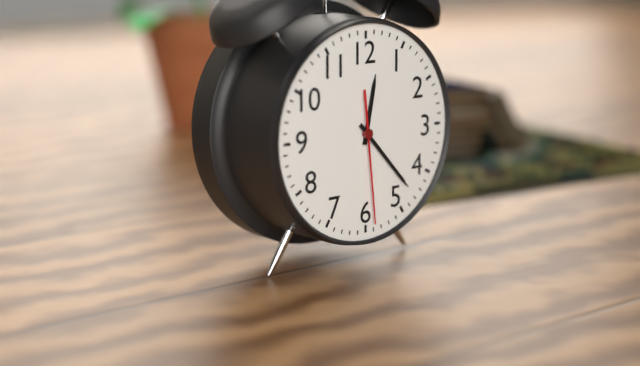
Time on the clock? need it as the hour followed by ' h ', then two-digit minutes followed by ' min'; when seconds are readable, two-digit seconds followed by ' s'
12 h 23 min 29 s
